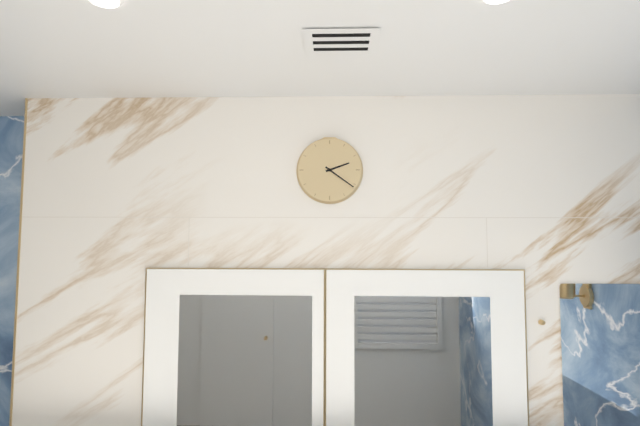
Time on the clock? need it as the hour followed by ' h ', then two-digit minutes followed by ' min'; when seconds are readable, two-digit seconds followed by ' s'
2 h 21 min
